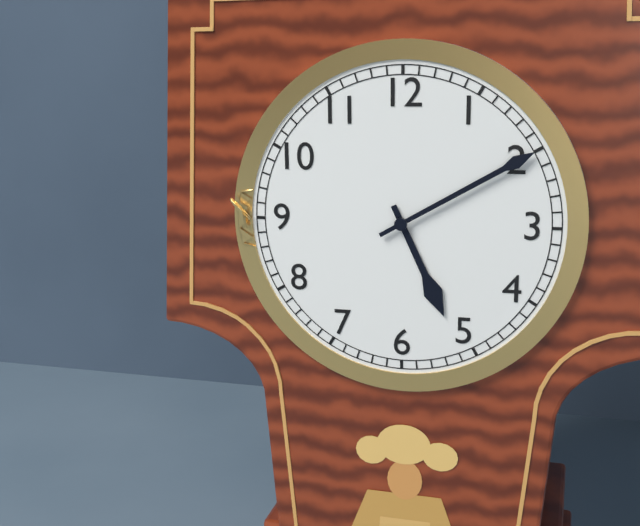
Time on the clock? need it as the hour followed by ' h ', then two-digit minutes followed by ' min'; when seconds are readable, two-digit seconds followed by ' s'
5 h 10 min
